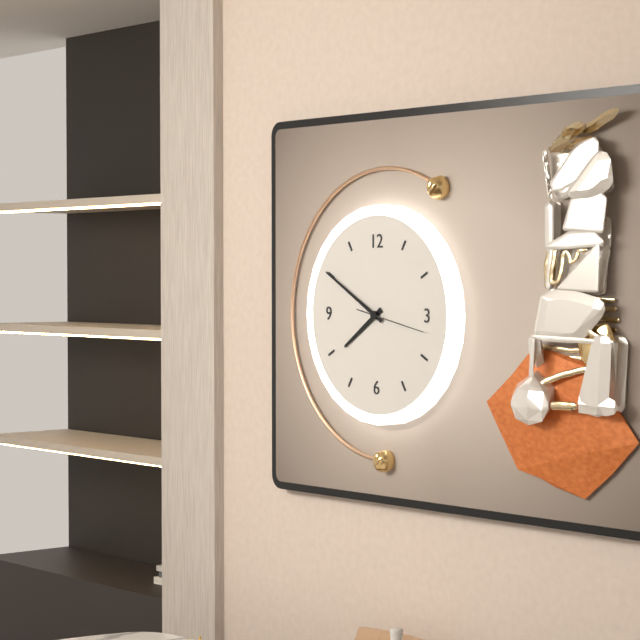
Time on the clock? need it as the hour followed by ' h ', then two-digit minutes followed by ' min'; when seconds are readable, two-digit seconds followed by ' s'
7 h 50 min 17 s
